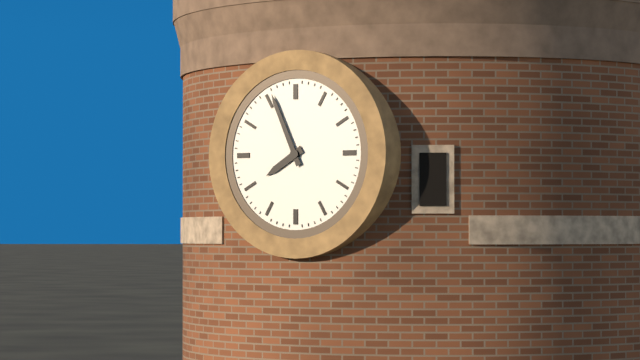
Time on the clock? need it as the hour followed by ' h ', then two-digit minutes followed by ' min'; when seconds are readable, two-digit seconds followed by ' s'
7 h 56 min
